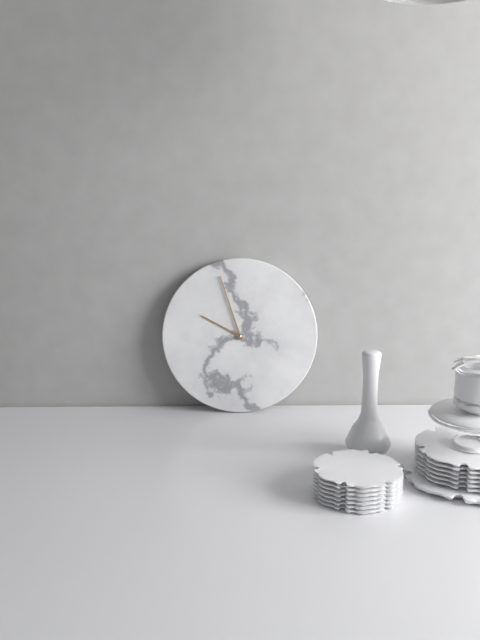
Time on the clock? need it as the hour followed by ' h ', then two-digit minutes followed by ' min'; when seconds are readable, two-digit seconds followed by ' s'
9 h 57 min
